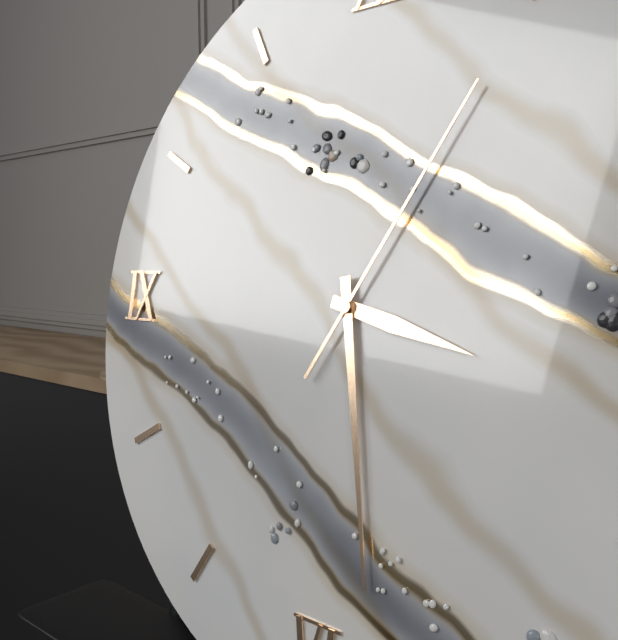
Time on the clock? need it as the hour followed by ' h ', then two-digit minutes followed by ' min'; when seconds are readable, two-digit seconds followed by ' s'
3 h 28 min 05 s
